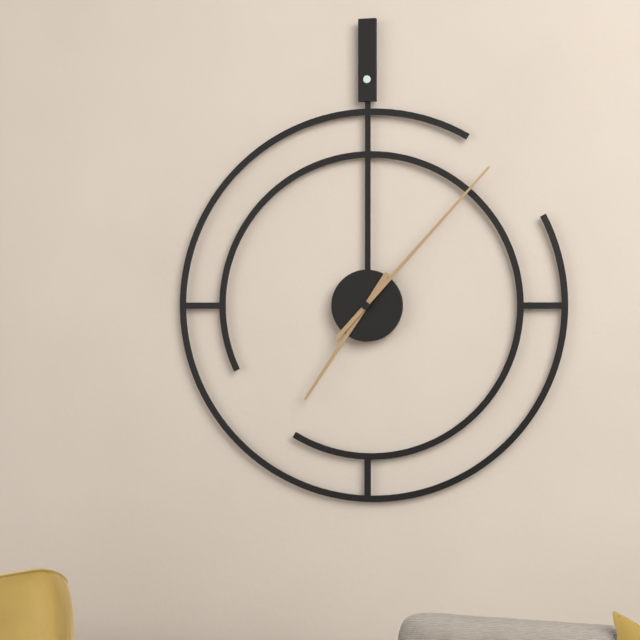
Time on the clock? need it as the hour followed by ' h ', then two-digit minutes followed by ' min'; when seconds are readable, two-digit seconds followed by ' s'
7 h 07 min
